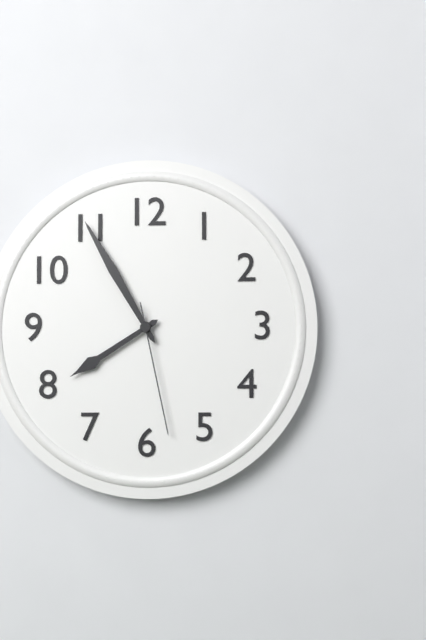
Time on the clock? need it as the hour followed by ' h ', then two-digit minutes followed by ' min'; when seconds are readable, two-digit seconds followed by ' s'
7 h 55 min 28 s
